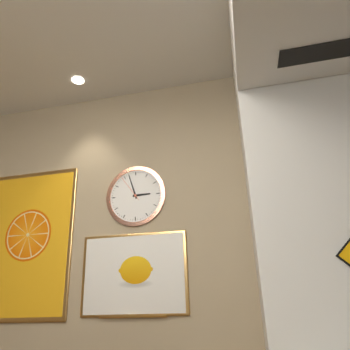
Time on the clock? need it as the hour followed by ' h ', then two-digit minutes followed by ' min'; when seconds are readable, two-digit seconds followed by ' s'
2 h 57 min
